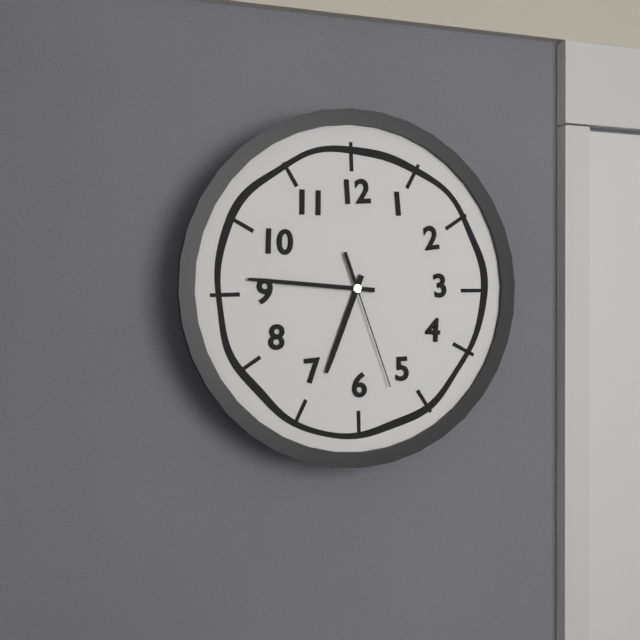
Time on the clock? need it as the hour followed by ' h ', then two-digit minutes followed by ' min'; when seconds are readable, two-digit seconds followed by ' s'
6 h 46 min 27 s
